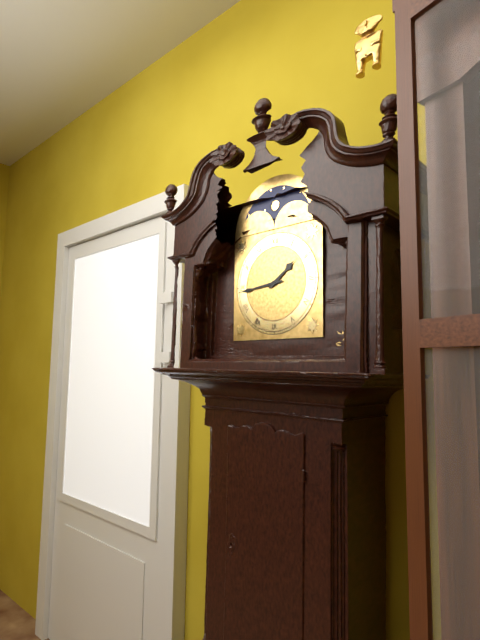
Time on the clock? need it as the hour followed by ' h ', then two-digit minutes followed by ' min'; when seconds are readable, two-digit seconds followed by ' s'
1 h 44 min
